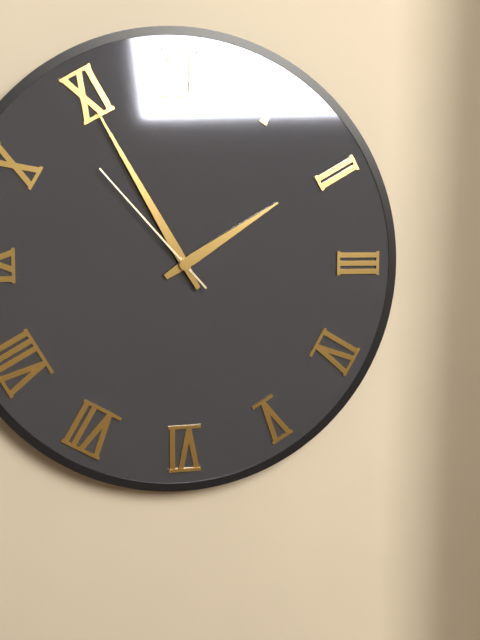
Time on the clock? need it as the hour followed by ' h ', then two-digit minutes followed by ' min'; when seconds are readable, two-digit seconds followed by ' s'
1 h 55 min 53 s
